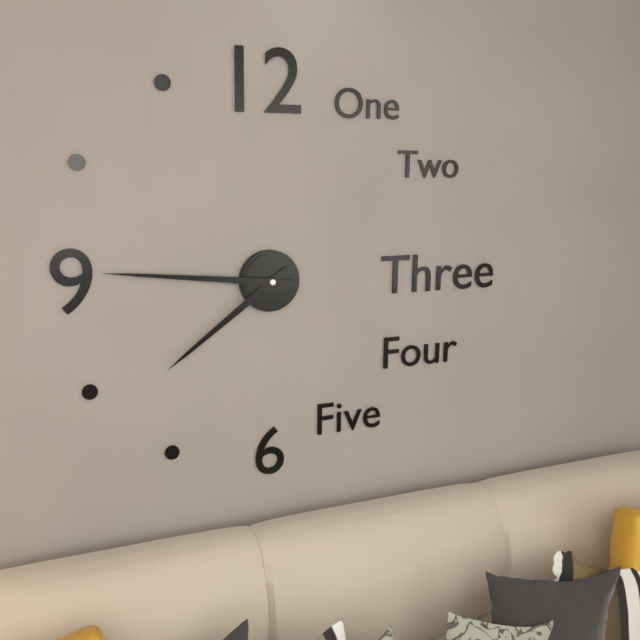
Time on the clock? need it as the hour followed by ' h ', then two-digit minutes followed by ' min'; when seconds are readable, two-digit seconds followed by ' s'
7 h 46 min
